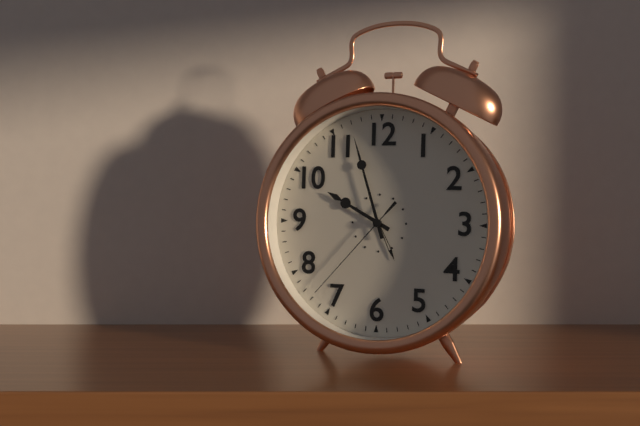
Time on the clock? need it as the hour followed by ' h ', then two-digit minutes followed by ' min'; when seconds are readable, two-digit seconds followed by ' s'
9 h 57 min 37 s
